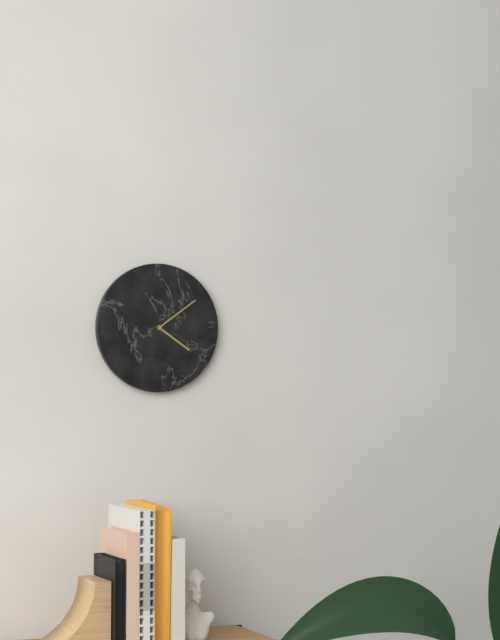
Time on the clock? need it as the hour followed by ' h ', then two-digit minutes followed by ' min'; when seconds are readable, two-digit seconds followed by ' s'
4 h 09 min
